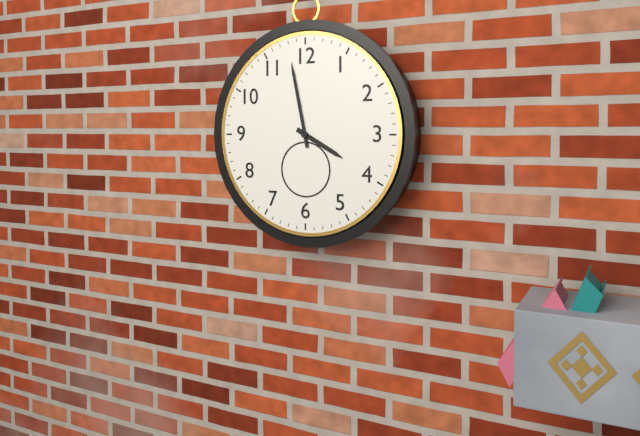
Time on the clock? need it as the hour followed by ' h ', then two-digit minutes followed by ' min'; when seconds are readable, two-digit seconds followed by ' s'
3 h 58 min
